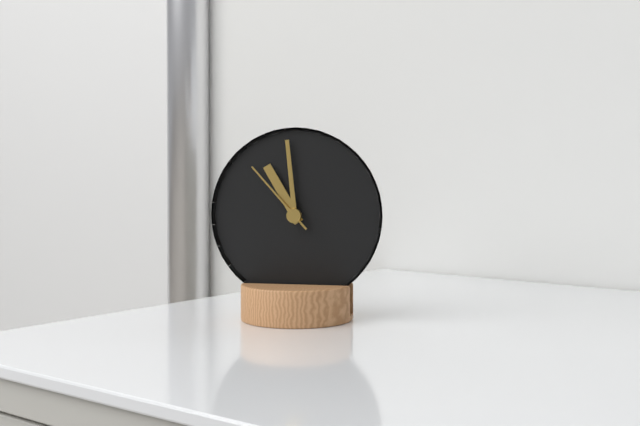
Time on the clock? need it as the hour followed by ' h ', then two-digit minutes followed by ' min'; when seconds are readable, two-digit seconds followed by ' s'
10 h 59 min 53 s
